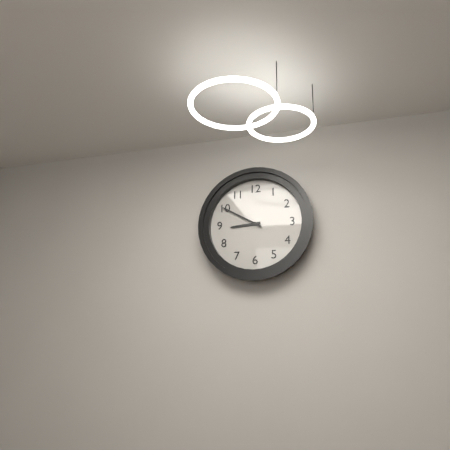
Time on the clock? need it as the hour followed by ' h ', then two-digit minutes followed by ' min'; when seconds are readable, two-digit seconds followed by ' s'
8 h 50 min
